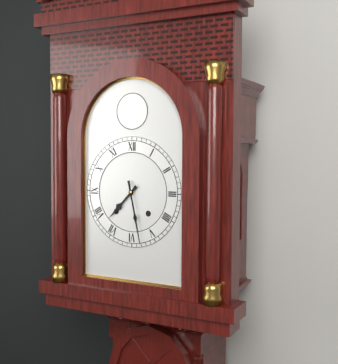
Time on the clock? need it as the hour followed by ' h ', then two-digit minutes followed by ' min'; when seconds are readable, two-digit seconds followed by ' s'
7 h 28 min
